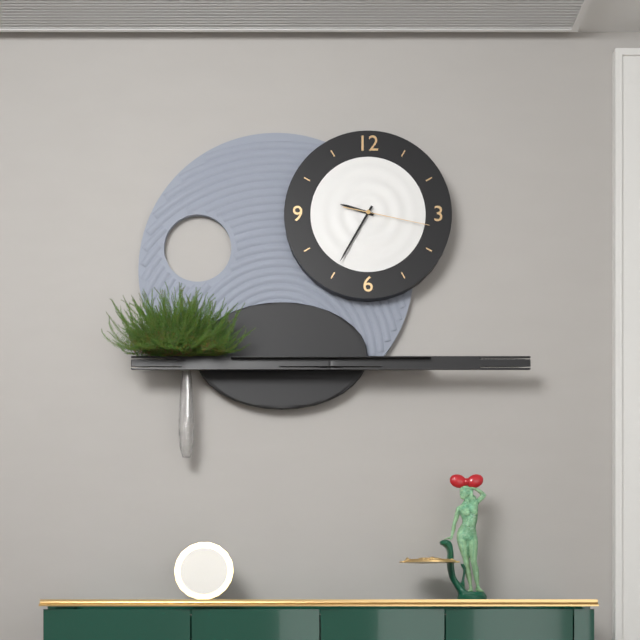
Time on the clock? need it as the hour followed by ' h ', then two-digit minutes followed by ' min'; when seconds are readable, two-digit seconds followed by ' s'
9 h 35 min 17 s
